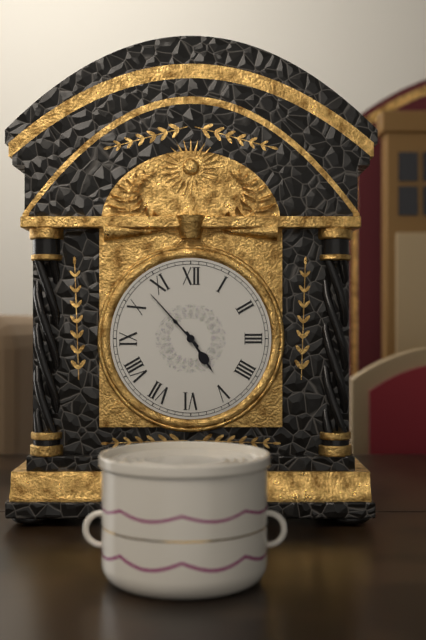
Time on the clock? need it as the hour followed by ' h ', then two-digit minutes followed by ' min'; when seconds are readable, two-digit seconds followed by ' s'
4 h 53 min
